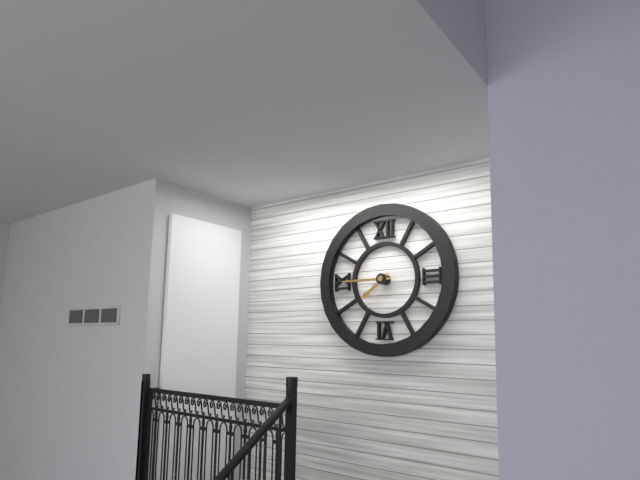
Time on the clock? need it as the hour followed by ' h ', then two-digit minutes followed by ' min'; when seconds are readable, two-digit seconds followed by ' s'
7 h 45 min
